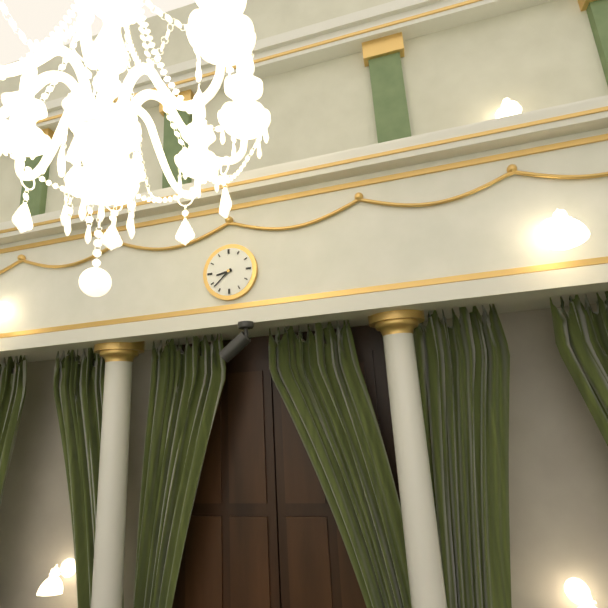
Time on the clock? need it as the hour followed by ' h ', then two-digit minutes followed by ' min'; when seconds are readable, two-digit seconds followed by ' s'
8 h 38 min
